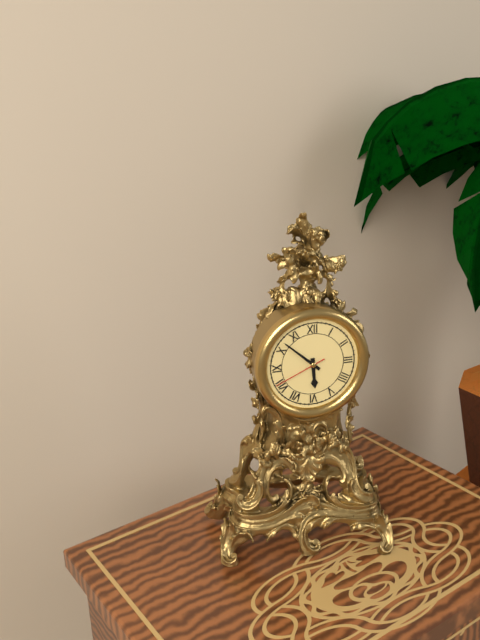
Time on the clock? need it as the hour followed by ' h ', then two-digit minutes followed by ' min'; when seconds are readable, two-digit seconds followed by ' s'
5 h 52 min 41 s
